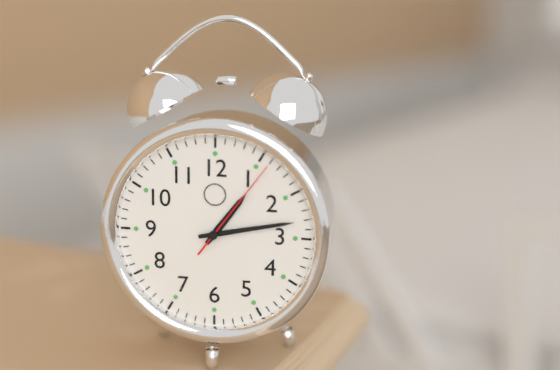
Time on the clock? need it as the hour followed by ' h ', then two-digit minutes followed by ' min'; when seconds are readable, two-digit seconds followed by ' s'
1 h 13 min 06 s
